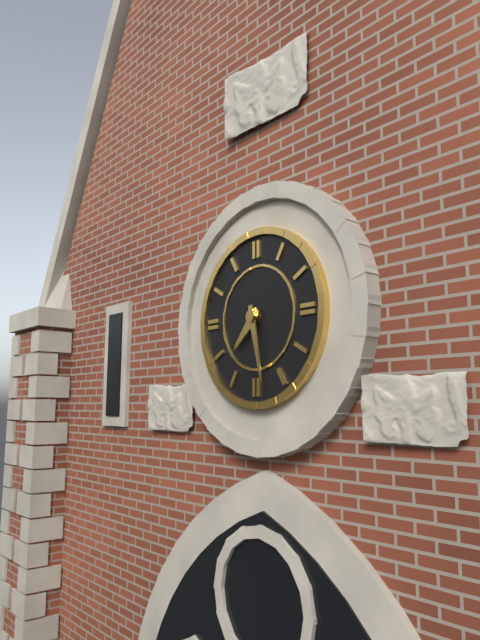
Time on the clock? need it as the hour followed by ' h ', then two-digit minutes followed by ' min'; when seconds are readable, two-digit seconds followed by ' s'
7 h 28 min
